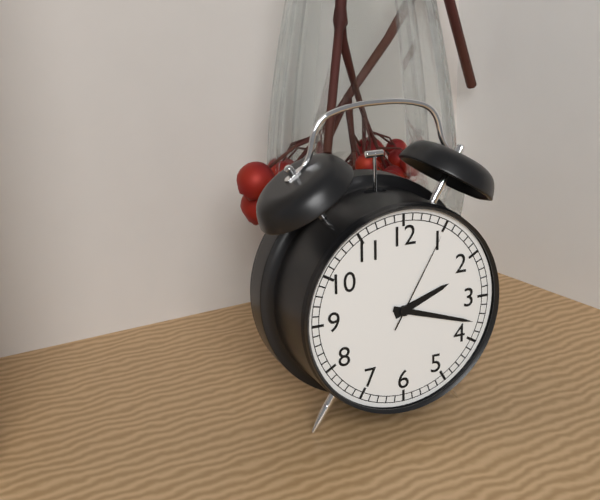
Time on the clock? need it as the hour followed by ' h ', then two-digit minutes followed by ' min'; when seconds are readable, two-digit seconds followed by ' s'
2 h 18 min 05 s
